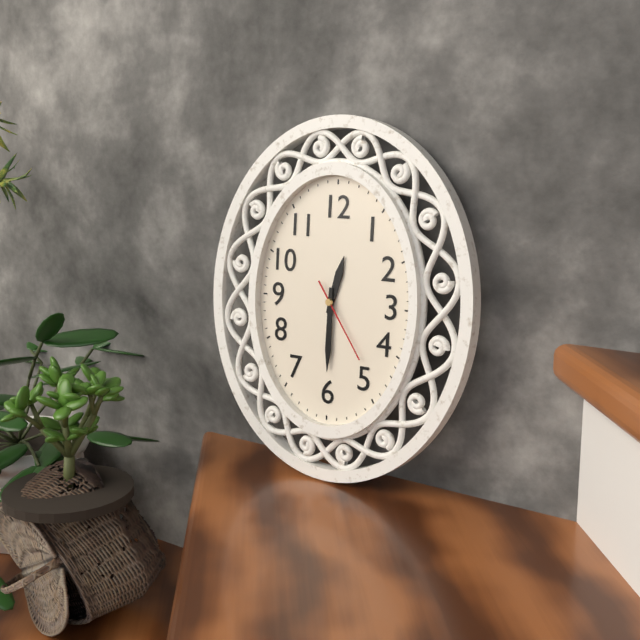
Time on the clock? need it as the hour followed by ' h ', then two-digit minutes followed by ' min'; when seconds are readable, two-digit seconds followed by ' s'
12 h 30 min 24 s
